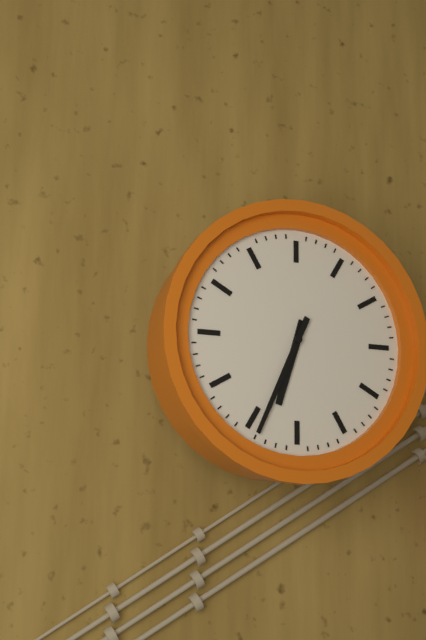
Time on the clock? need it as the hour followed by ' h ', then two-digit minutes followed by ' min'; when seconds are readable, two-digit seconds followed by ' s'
6 h 34 min
